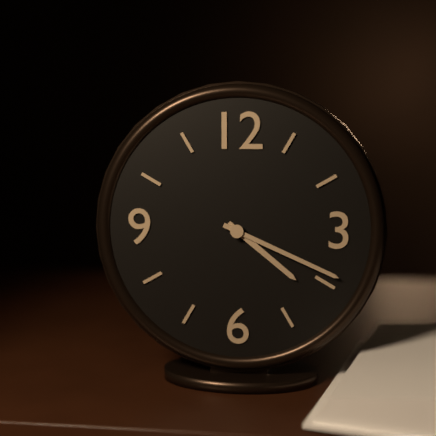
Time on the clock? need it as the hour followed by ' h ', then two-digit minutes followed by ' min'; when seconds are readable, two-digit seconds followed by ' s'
4 h 19 min
